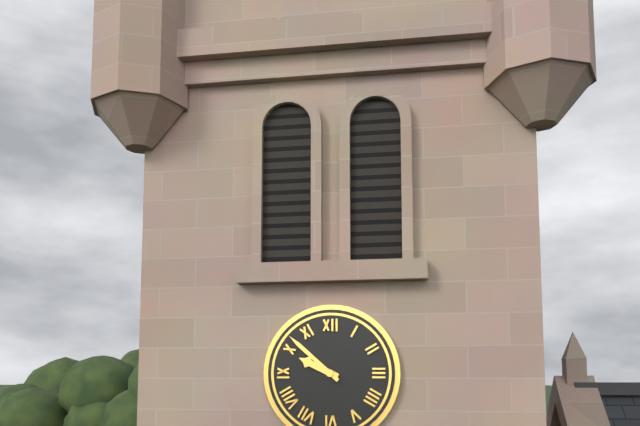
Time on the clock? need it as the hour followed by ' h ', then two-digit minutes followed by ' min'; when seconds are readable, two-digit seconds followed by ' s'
9 h 52 min
